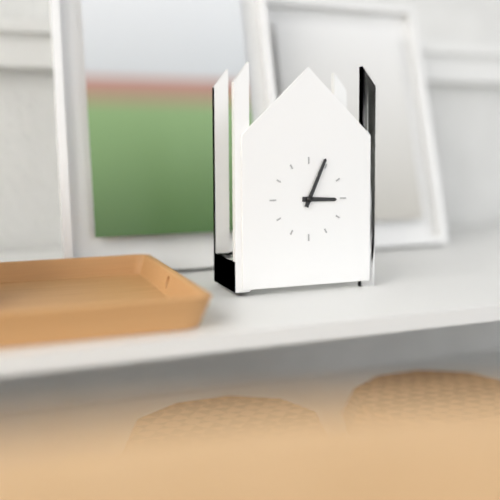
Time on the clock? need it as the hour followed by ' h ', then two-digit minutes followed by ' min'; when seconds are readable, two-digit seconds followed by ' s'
3 h 04 min
